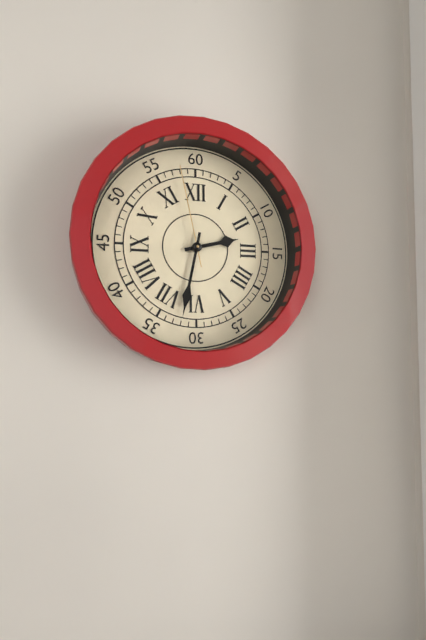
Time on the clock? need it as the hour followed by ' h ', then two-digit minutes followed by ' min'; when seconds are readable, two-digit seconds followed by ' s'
2 h 32 min 58 s
